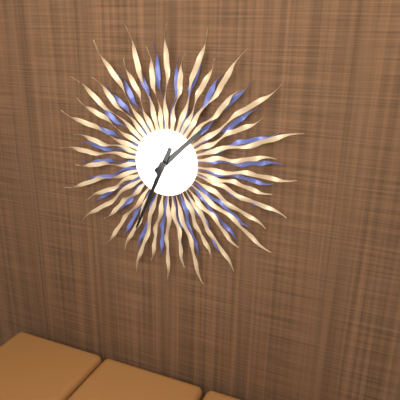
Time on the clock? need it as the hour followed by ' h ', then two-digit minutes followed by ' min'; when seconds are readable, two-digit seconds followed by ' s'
1 h 34 min
